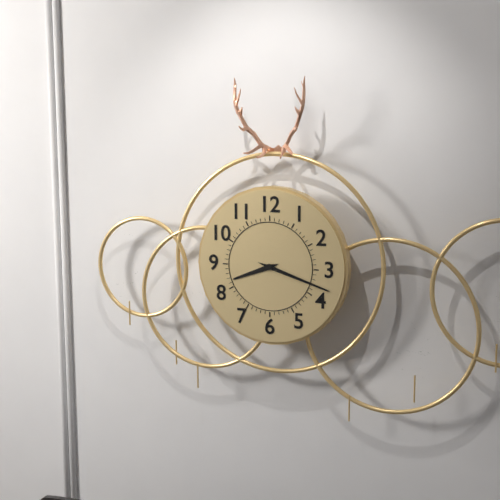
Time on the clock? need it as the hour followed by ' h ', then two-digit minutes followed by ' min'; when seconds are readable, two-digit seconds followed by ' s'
8 h 18 min
